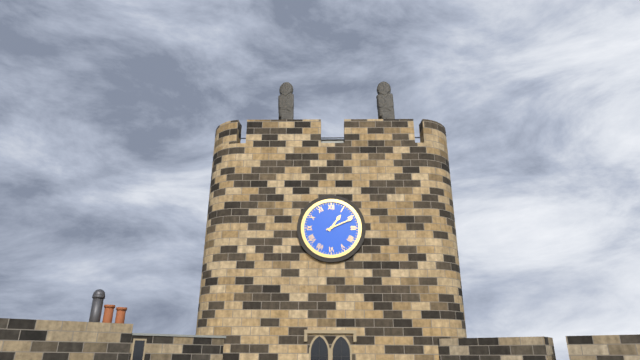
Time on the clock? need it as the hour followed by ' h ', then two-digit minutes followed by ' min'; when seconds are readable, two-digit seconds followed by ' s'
1 h 11 min
